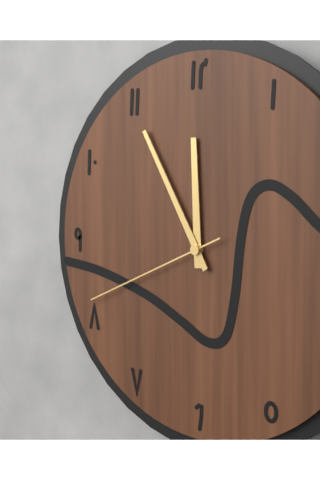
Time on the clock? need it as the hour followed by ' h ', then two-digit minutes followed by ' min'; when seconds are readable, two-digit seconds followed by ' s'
11 h 55 min 41 s
